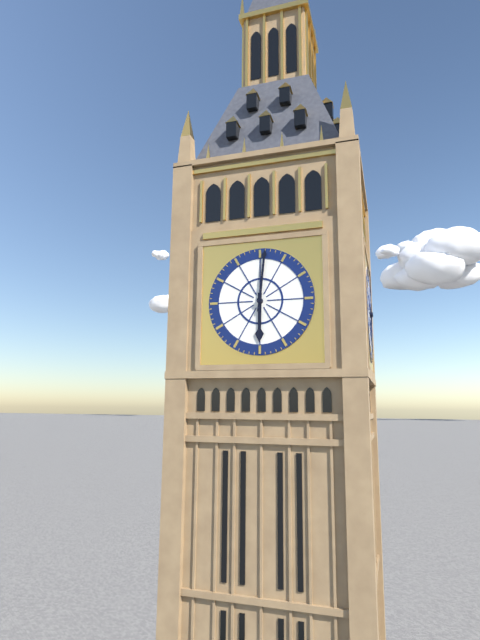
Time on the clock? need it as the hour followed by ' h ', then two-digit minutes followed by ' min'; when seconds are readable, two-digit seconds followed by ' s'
6 h 01 min
